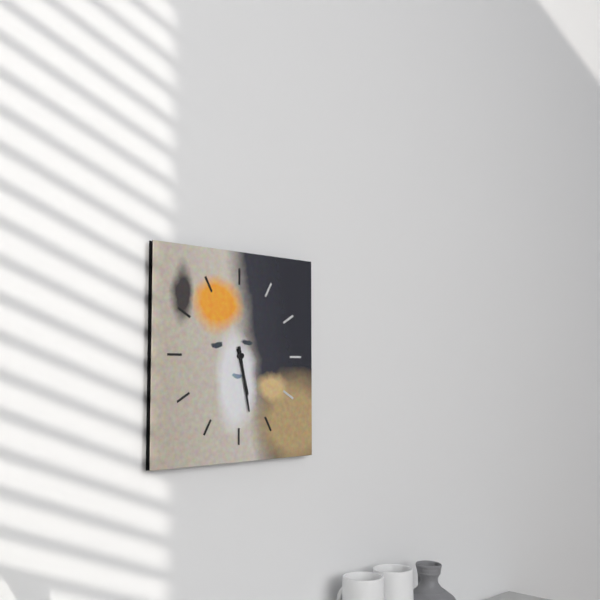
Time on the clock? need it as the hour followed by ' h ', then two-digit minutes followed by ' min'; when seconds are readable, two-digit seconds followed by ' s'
5 h 28 min
